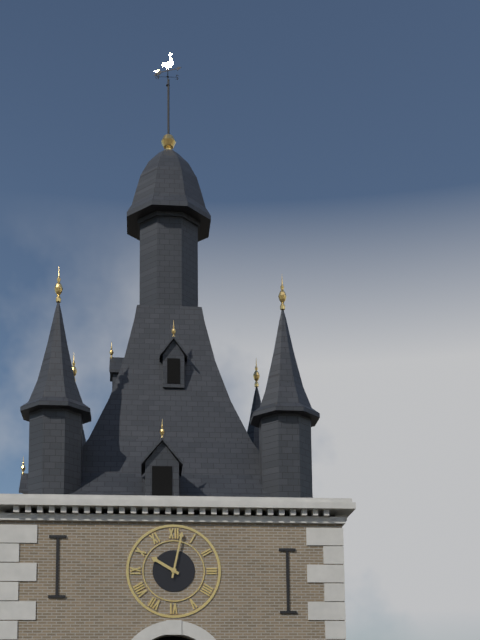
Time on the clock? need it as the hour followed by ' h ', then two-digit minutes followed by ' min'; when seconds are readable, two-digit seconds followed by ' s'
10 h 02 min
